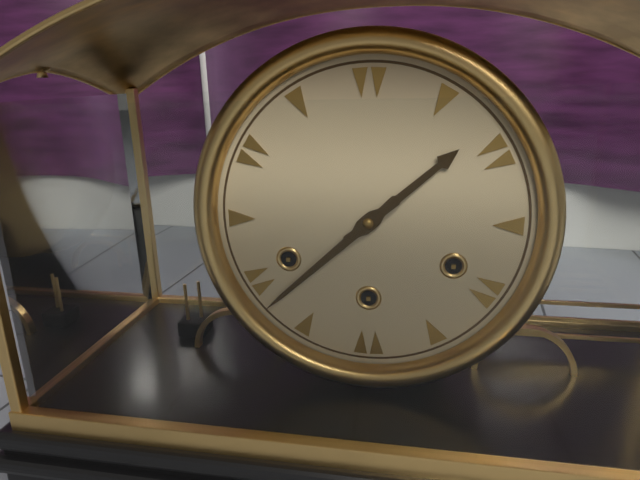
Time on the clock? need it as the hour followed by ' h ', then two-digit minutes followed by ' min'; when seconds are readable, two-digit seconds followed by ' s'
1 h 38 min
